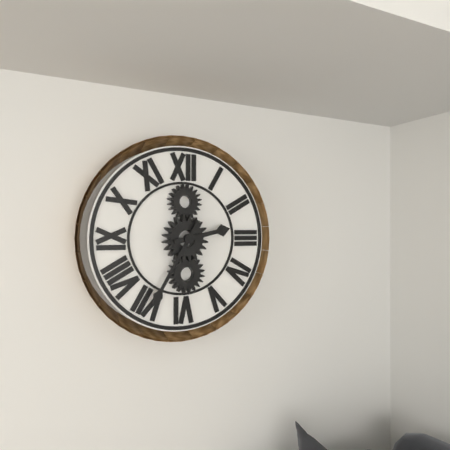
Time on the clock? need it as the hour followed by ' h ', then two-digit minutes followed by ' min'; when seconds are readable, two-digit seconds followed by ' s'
2 h 35 min
